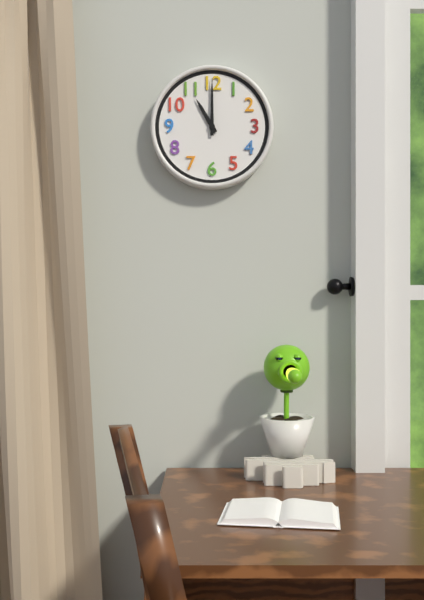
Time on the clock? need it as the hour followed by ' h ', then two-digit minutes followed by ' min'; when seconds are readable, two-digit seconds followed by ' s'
11 h 00 min
